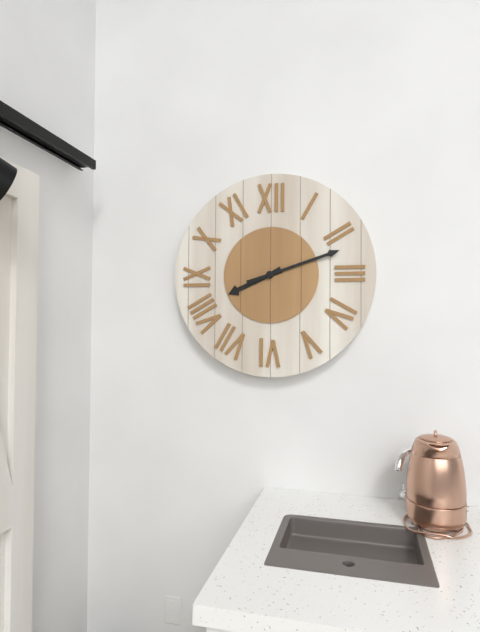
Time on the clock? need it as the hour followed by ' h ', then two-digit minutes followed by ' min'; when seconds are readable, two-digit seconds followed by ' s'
8 h 12 min
